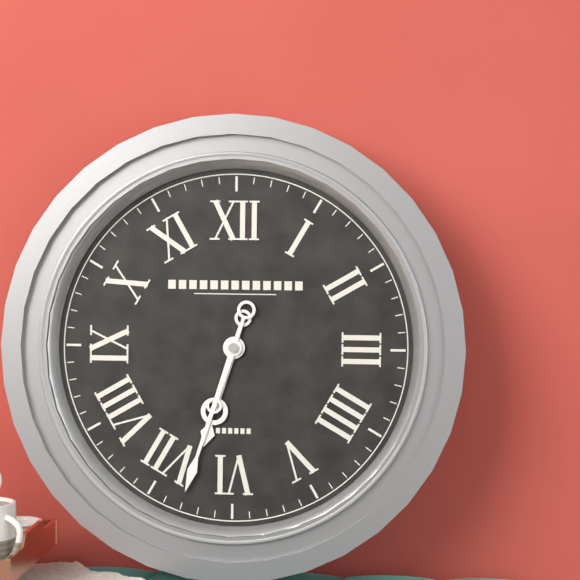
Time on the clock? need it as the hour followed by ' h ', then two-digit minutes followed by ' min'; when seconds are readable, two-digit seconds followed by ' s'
6 h 33 min
